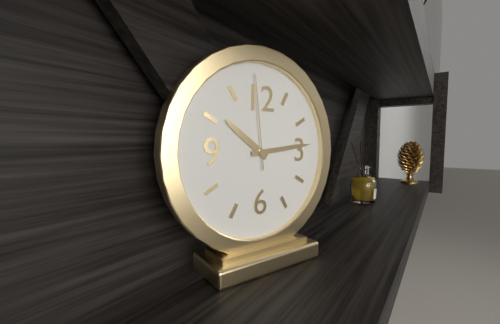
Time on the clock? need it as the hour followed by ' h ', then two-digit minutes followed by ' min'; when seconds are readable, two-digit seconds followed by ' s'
10 h 14 min 59 s
